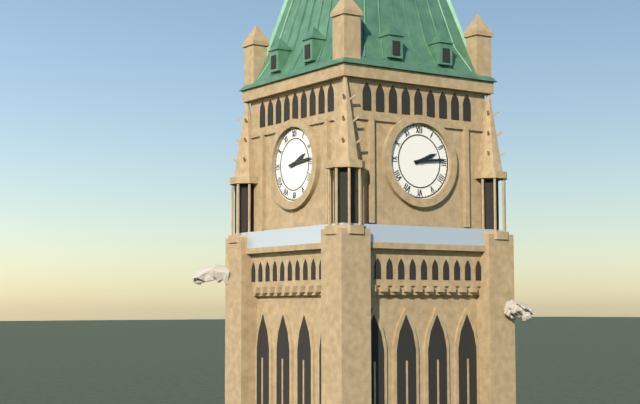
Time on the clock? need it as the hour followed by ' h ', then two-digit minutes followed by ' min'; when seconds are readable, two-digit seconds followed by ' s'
2 h 14 min
